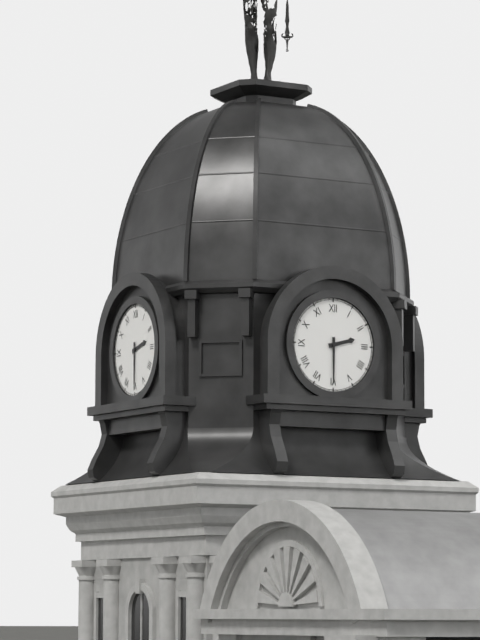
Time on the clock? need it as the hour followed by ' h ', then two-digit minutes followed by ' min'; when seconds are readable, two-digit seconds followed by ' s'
2 h 30 min
